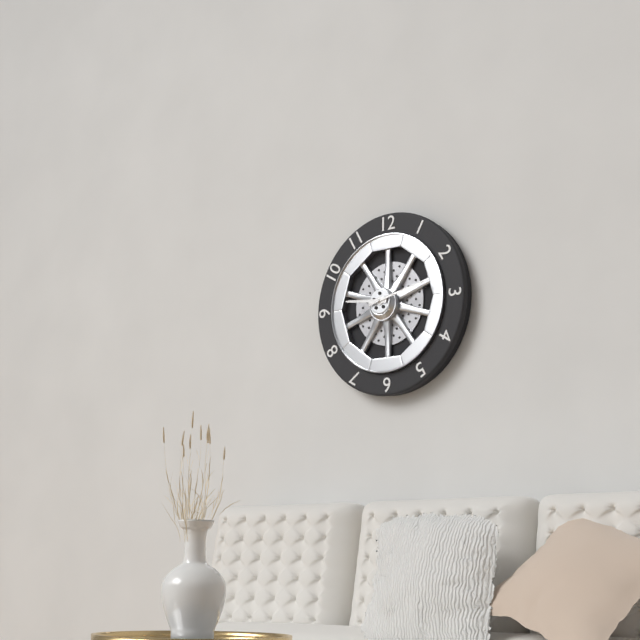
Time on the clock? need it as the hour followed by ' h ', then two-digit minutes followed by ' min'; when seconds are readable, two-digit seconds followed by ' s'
9 h 13 min
